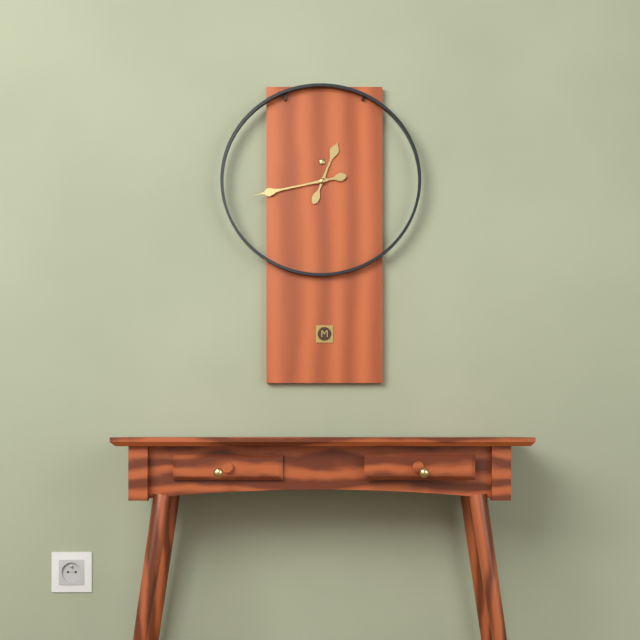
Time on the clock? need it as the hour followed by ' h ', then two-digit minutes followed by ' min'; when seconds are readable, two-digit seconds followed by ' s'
12 h 43 min
